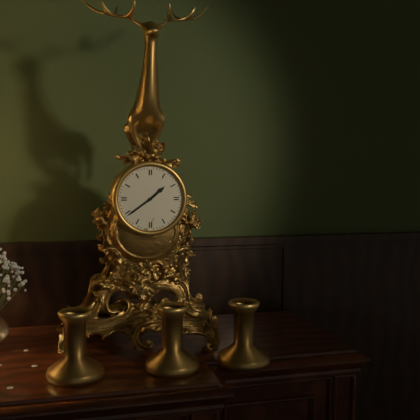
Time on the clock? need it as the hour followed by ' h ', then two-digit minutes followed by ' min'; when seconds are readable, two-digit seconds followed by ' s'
1 h 39 min
